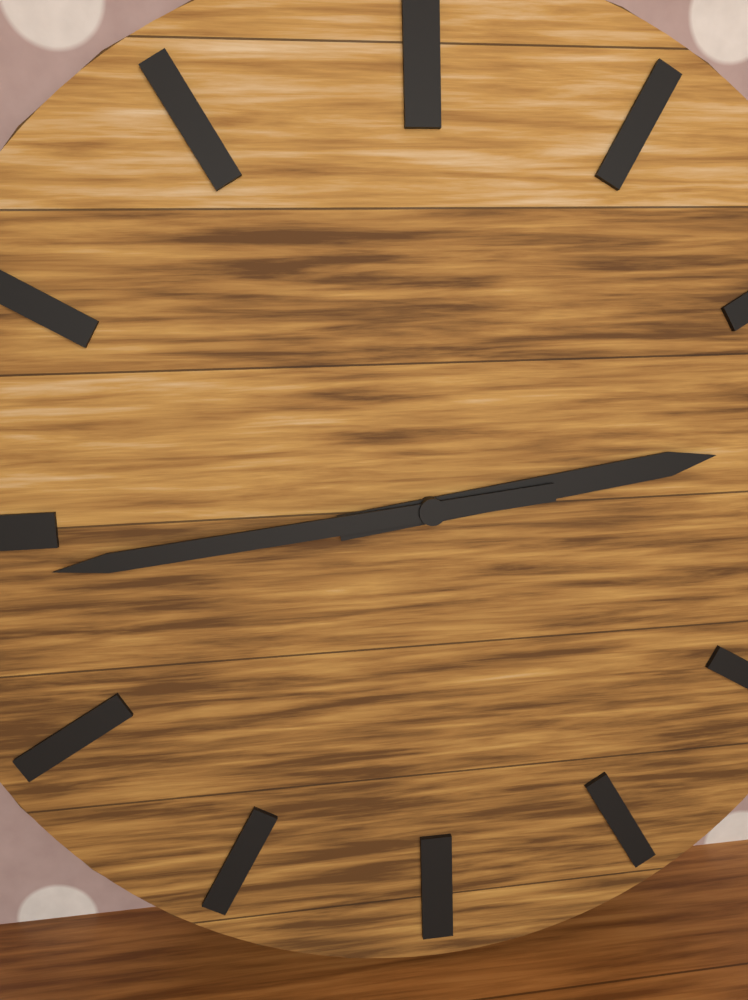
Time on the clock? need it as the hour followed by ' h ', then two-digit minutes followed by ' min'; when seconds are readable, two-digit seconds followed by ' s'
2 h 44 min
